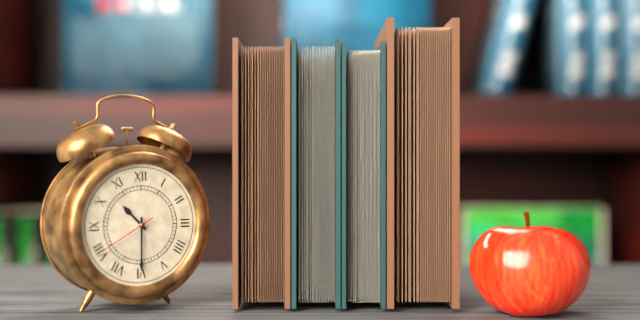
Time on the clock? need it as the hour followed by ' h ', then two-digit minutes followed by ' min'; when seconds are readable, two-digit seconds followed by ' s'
10 h 30 min 40 s
